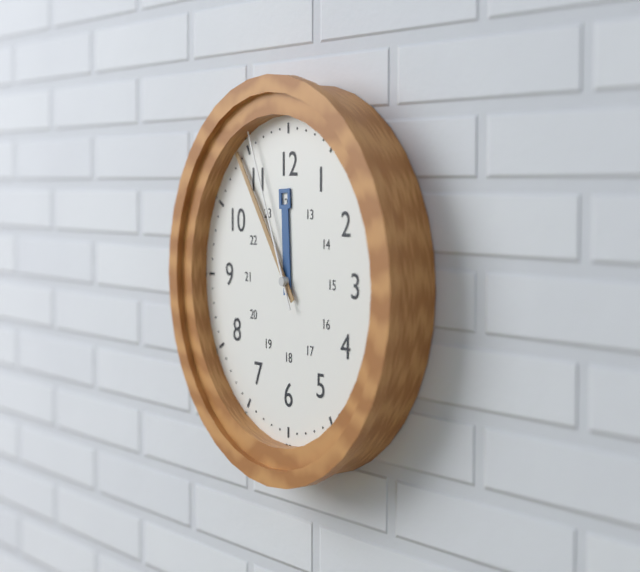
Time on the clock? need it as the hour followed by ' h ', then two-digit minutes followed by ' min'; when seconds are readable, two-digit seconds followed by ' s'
11 h 54 min 56 s
